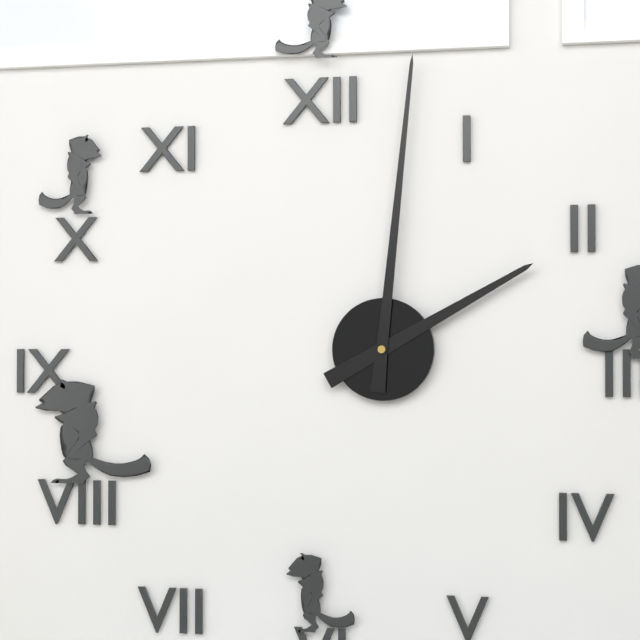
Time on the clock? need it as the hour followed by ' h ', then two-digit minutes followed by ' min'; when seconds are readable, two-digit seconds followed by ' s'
2 h 01 min
